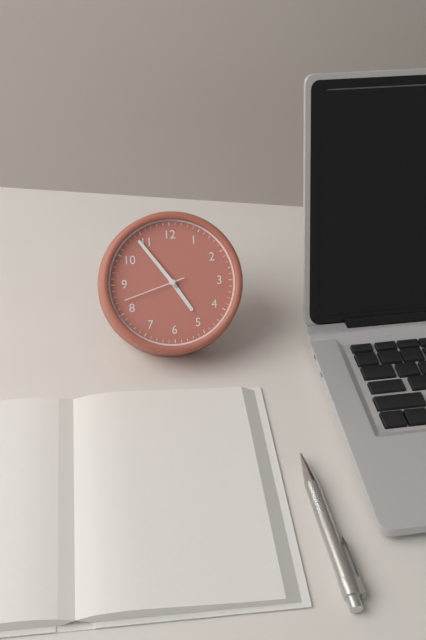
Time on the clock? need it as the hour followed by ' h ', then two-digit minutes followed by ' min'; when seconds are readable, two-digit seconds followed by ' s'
4 h 54 min 42 s
